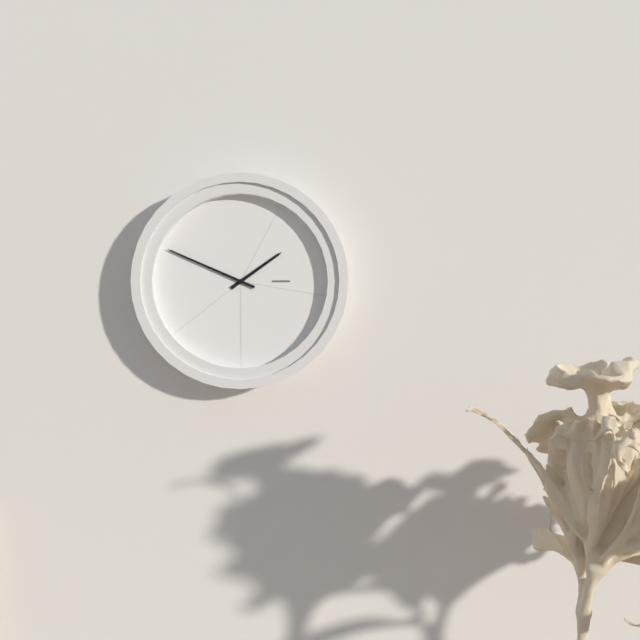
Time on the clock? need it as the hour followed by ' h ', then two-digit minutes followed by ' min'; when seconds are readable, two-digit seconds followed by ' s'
1 h 49 min
